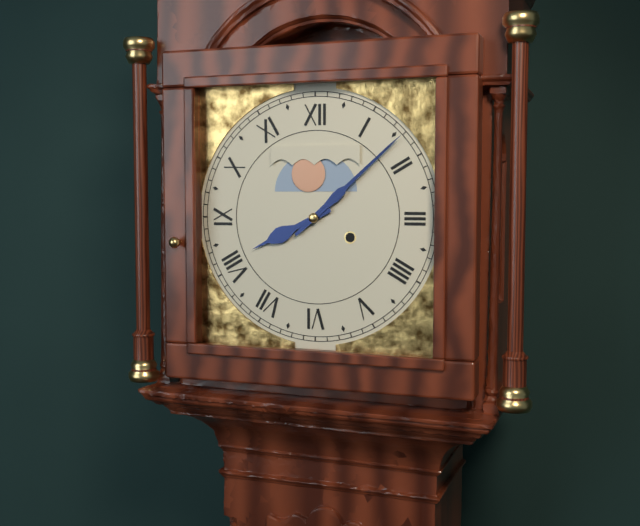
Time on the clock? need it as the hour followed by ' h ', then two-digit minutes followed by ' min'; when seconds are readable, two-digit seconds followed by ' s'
8 h 08 min
